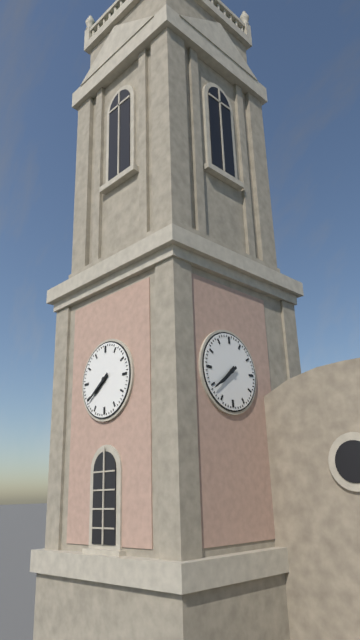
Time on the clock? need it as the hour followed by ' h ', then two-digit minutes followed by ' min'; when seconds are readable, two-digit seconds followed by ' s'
7 h 39 min
